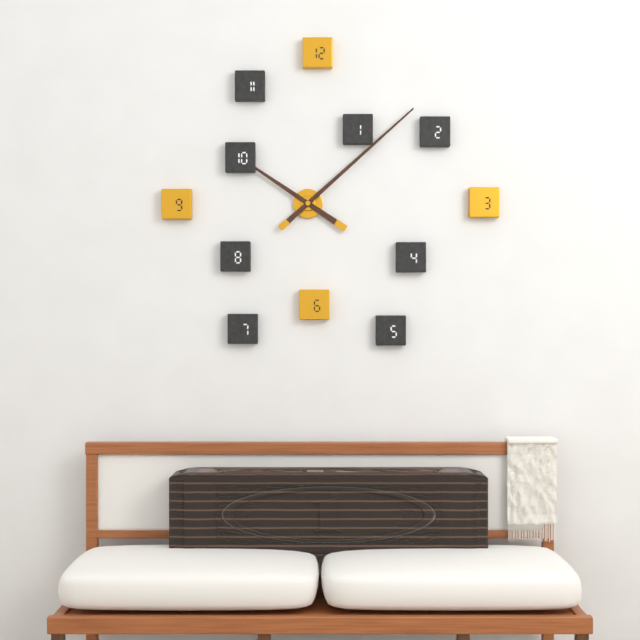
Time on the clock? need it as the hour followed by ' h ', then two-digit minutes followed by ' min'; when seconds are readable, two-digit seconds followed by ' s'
10 h 08 min
